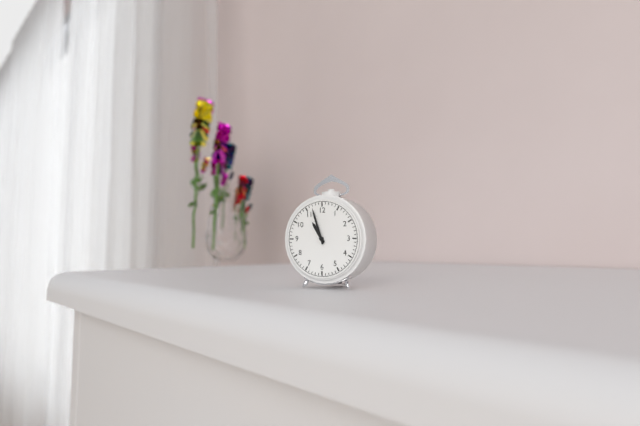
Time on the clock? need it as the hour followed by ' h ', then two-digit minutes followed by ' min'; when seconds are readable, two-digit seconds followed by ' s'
10 h 57 min
